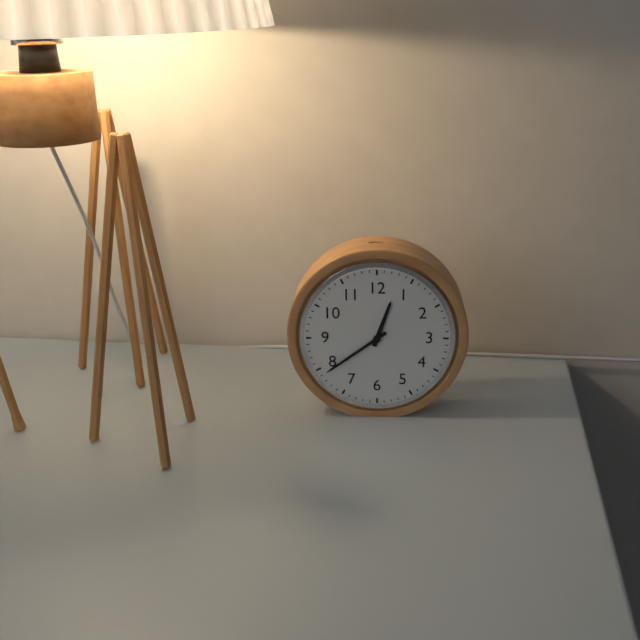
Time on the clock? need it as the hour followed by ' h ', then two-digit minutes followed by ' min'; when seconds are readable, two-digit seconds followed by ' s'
12 h 39 min
